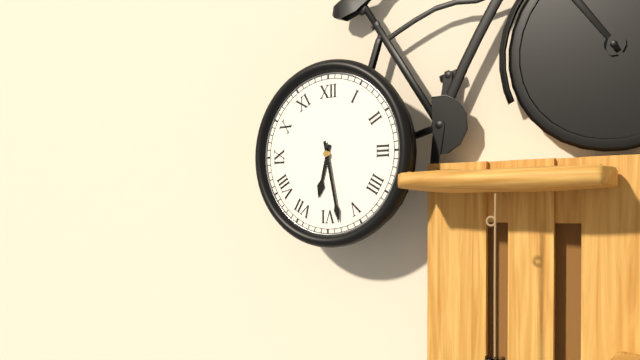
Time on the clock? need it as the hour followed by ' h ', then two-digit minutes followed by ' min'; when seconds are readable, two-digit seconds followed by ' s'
6 h 28 min
